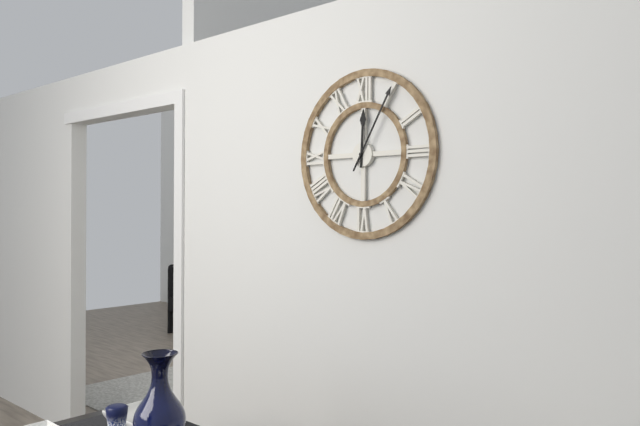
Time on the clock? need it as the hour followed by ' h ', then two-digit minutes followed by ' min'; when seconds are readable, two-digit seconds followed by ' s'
12 h 05 min
